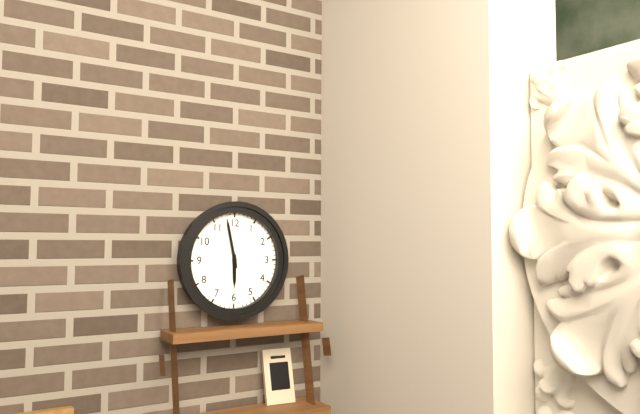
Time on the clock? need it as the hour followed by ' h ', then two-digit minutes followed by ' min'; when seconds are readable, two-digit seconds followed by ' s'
5 h 58 min
